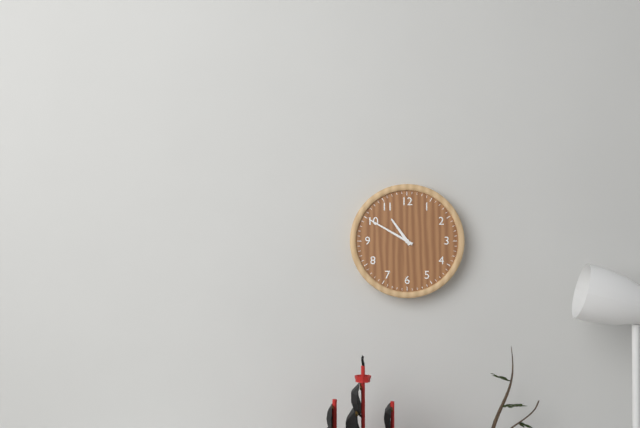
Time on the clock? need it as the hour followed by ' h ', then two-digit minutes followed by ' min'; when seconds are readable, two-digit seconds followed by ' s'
10 h 50 min
